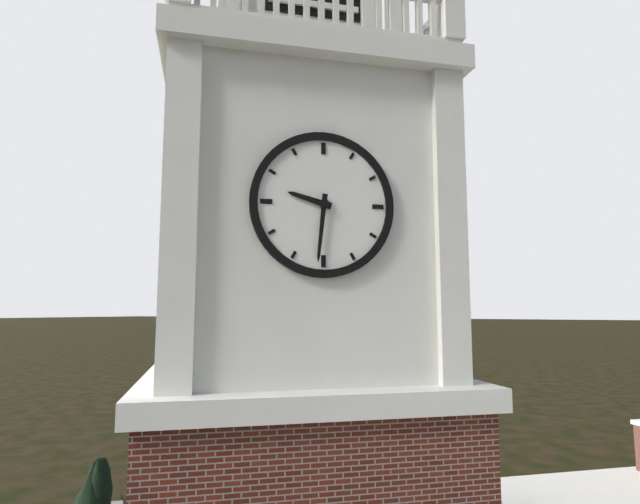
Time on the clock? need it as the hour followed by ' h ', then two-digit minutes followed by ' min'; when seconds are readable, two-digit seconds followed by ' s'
9 h 31 min
